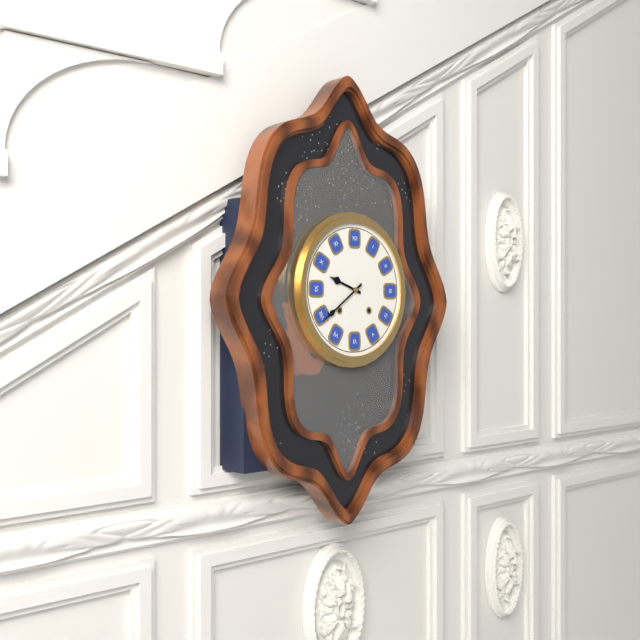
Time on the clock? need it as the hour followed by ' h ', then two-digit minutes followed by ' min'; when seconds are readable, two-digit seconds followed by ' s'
9 h 39 min
